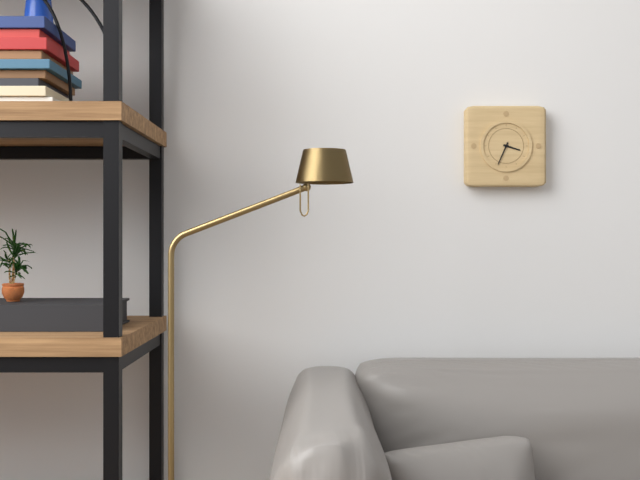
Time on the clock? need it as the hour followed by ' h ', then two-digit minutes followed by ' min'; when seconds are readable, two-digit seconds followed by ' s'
3 h 34 min
